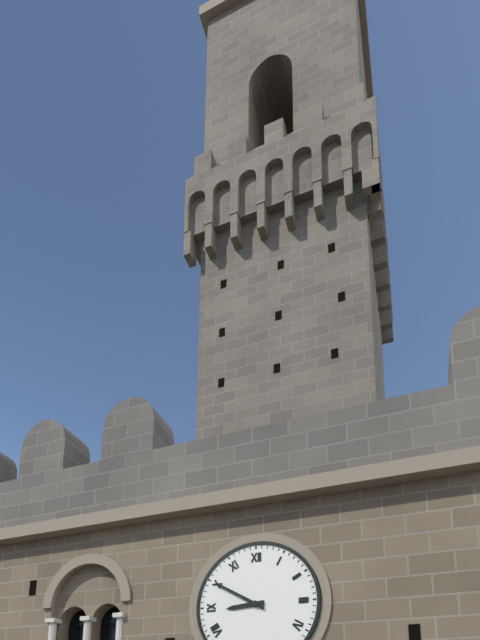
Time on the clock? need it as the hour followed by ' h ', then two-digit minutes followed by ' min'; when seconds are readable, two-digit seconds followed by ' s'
8 h 50 min
